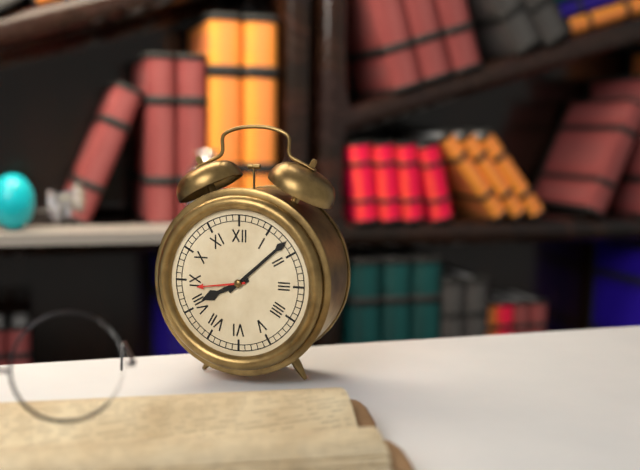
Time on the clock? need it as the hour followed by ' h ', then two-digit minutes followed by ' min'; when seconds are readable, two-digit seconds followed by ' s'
8 h 08 min
